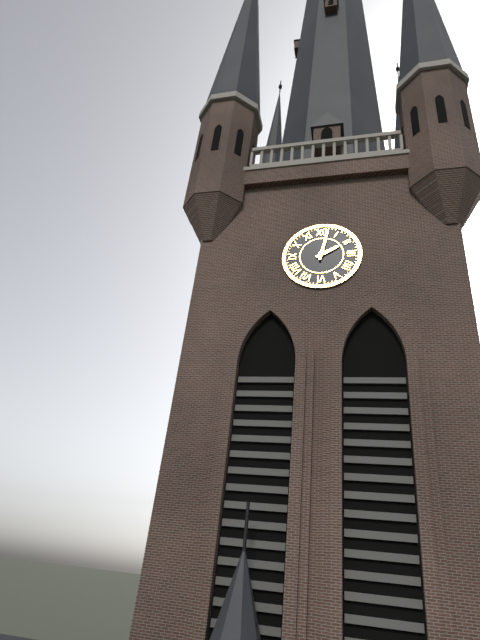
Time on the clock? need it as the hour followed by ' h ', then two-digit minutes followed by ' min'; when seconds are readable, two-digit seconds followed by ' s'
2 h 02 min
